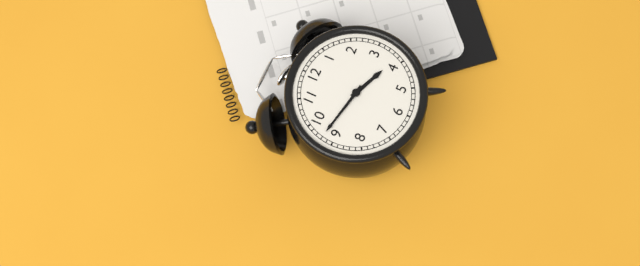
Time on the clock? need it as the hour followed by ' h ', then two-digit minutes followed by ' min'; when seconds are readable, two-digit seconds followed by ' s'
3 h 47 min
